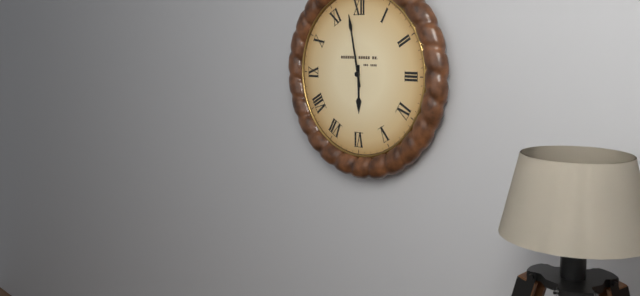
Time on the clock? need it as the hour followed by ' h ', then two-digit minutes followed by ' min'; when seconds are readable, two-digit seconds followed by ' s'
5 h 58 min
